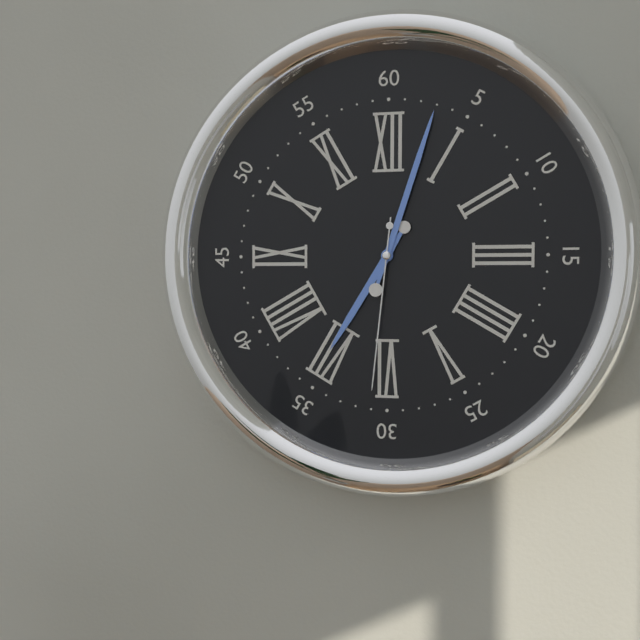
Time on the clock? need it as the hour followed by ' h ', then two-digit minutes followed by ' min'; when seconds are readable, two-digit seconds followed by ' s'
7 h 03 min 31 s
